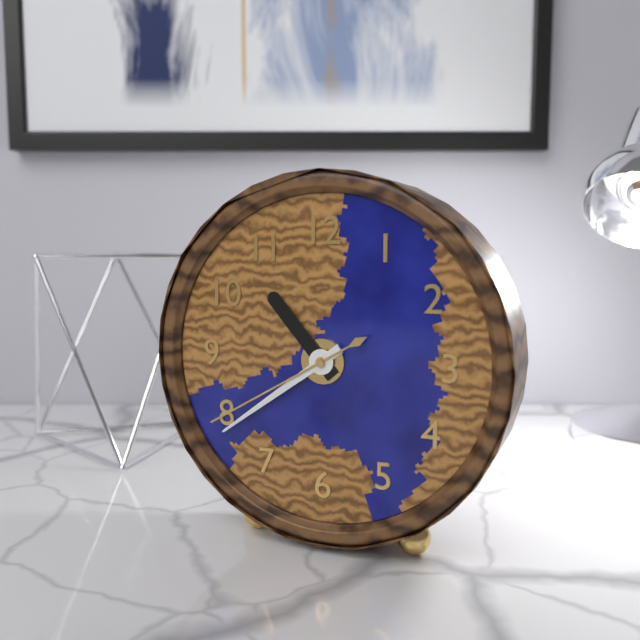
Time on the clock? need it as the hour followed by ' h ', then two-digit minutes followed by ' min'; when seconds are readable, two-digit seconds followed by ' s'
10 h 39 min 40 s
